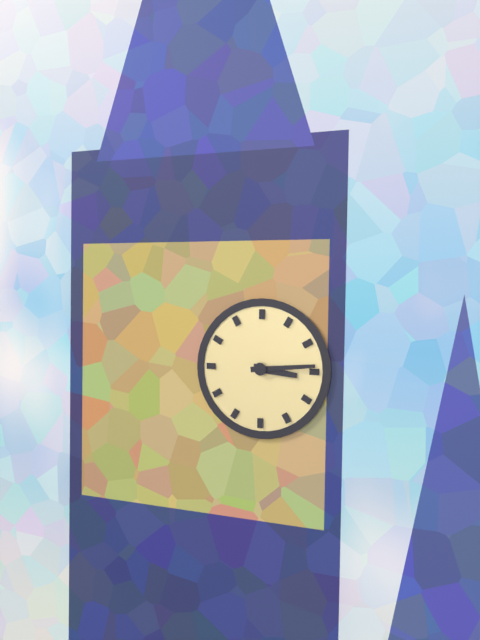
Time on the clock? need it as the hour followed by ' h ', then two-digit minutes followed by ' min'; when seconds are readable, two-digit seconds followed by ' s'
3 h 14 min
